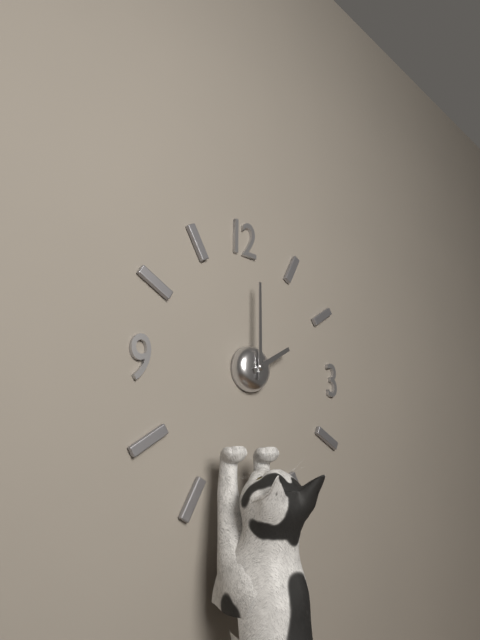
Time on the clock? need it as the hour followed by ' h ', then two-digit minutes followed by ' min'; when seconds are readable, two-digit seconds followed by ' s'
2 h 00 min
